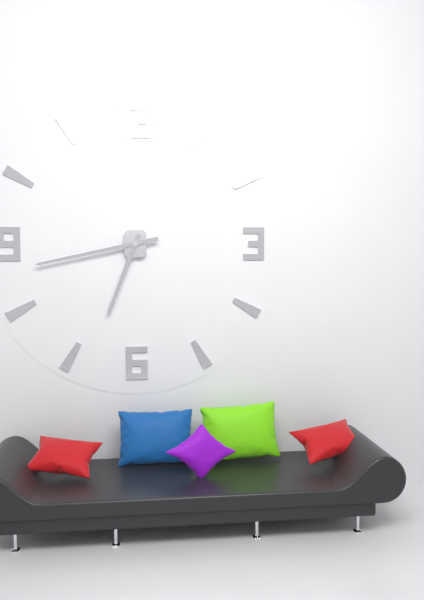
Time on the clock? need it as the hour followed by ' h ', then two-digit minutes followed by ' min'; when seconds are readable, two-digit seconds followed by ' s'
6 h 43 min
